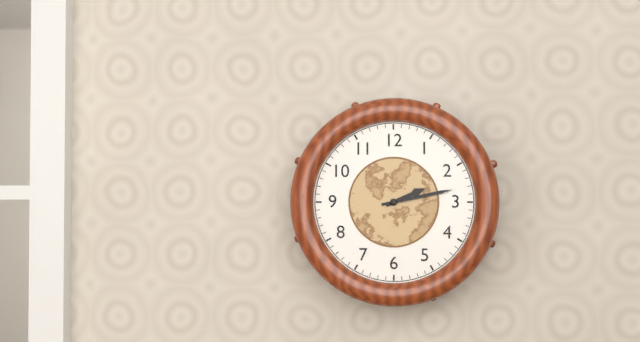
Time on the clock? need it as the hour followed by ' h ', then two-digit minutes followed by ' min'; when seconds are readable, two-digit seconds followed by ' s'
2 h 13 min
